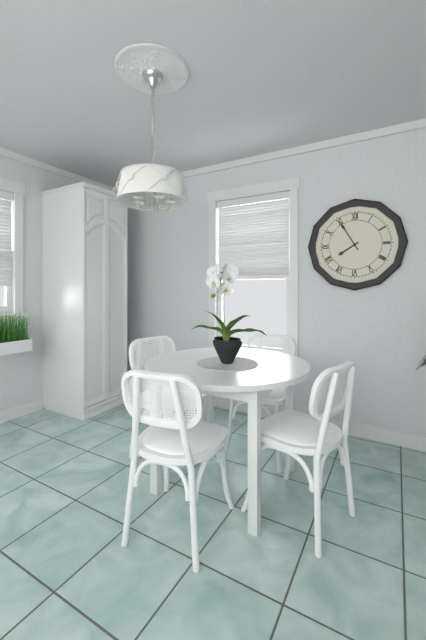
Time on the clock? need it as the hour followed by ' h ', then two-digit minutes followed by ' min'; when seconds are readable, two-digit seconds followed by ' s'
7 h 55 min
